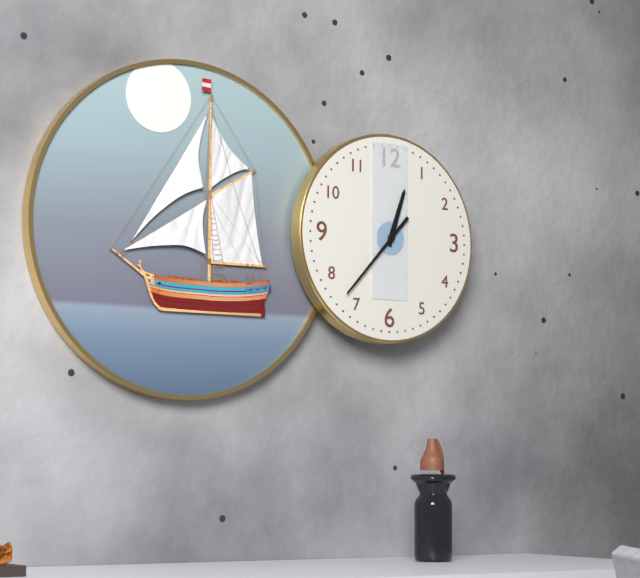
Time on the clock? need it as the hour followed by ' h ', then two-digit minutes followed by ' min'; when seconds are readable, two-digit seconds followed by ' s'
12 h 37 min
